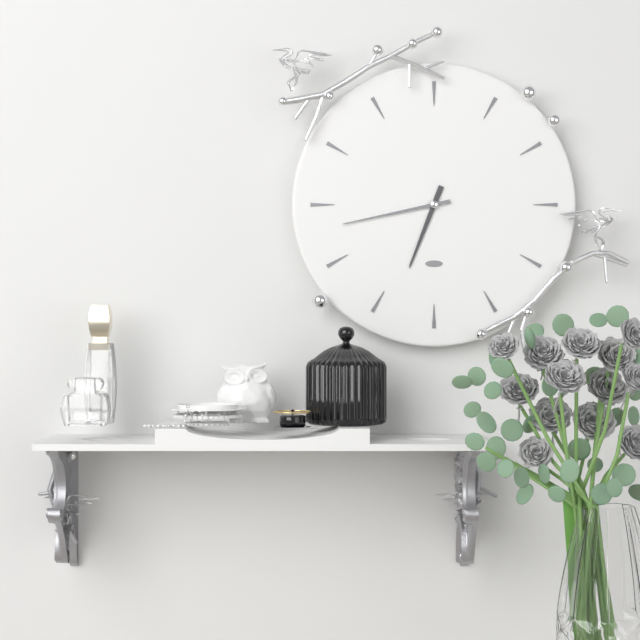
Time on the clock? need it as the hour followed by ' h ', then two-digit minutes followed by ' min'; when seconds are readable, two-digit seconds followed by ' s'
6 h 43 min
